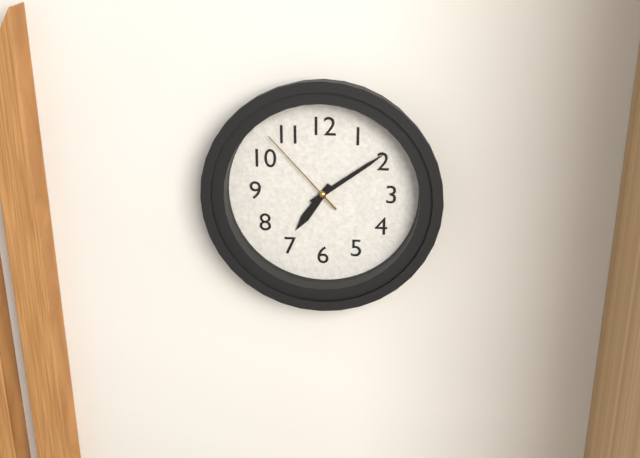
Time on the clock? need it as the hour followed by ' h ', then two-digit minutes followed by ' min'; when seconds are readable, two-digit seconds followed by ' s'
7 h 09 min 53 s
